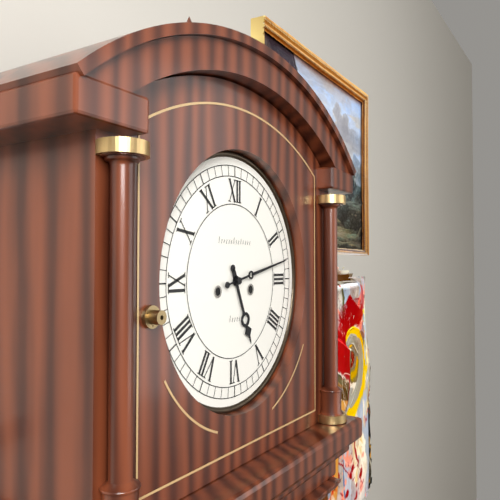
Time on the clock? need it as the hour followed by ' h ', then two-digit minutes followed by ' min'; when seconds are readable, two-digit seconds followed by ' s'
5 h 13 min
